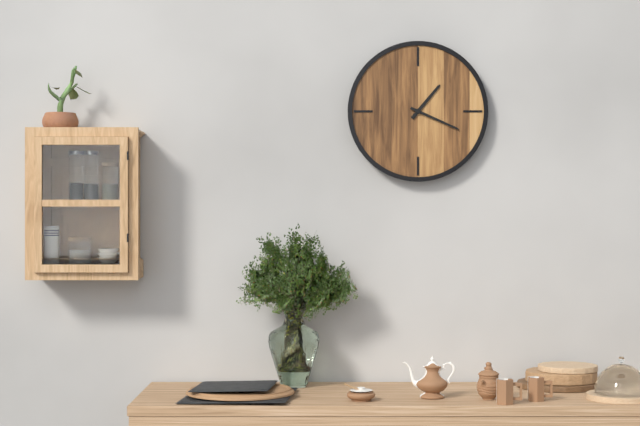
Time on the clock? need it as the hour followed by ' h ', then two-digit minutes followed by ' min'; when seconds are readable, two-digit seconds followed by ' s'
1 h 19 min
